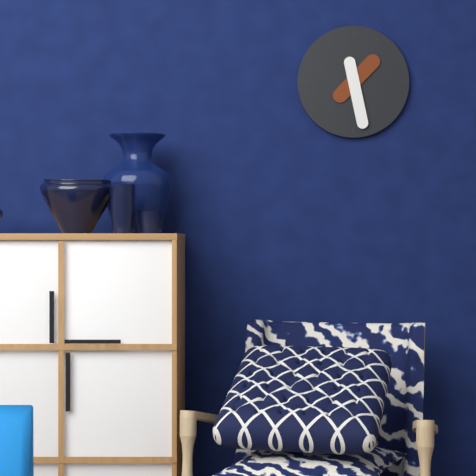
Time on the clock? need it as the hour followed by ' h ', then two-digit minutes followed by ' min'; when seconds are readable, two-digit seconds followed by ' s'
1 h 28 min
